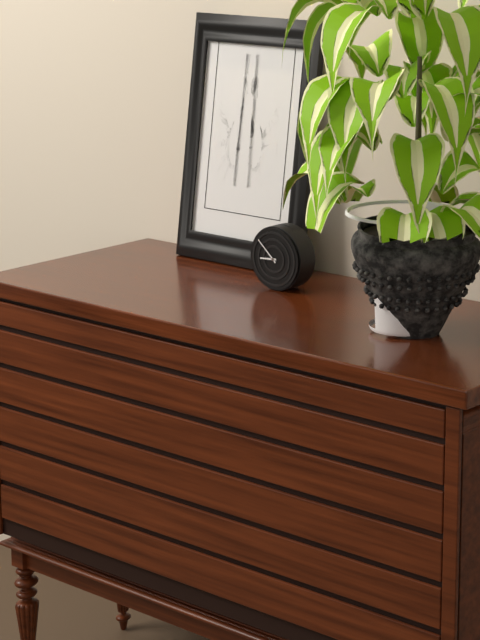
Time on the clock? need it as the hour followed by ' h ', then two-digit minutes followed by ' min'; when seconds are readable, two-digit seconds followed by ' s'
8 h 52 min
